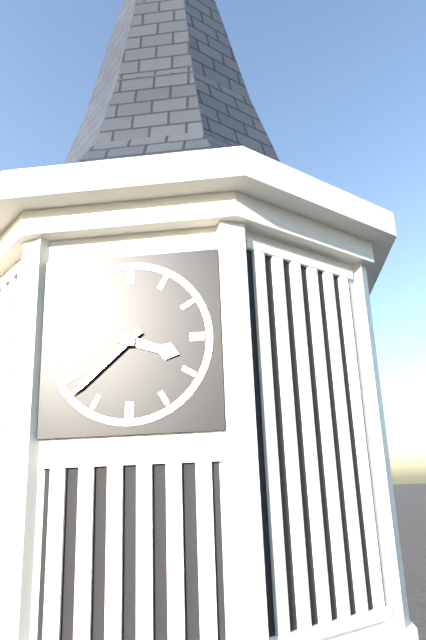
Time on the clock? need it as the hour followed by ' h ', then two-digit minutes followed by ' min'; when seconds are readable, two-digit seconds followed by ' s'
3 h 38 min
